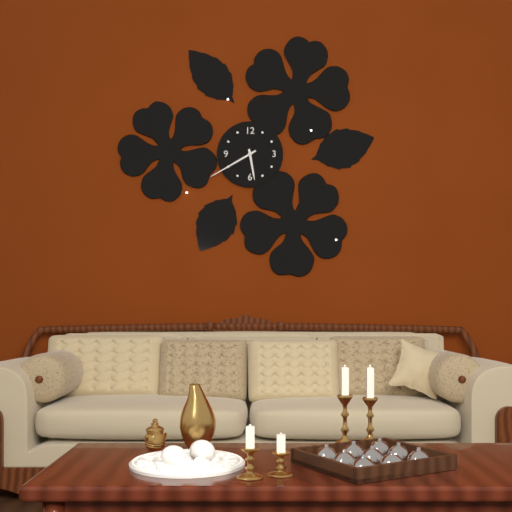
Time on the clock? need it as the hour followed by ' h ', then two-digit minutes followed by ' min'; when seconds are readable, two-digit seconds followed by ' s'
5 h 40 min
